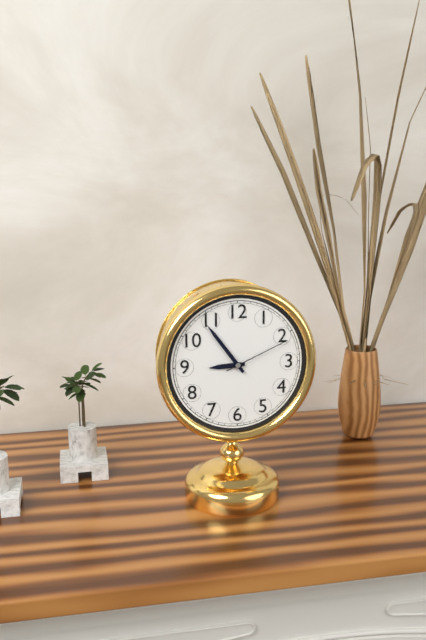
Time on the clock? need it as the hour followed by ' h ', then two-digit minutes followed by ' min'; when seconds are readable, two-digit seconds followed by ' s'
8 h 54 min 11 s
